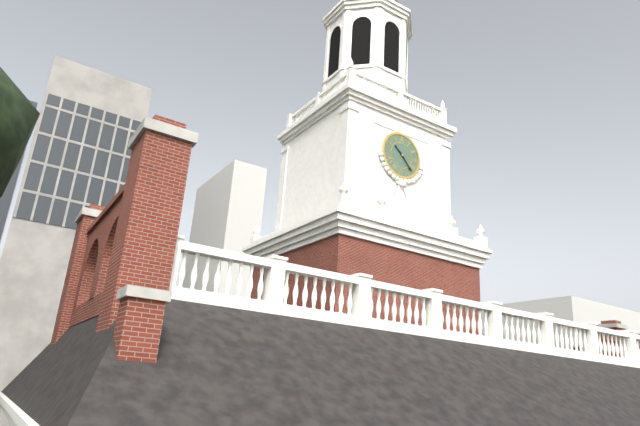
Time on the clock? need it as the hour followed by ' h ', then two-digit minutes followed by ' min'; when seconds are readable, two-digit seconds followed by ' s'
10 h 23 min
